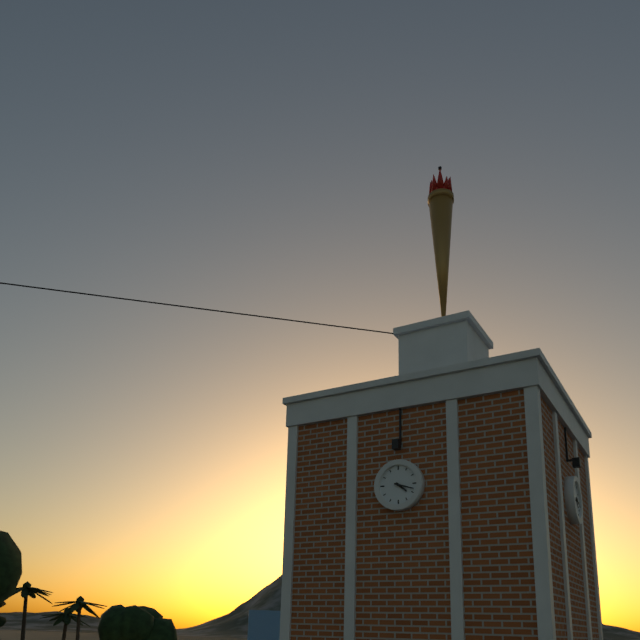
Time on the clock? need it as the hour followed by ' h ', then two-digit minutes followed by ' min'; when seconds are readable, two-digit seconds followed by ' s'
4 h 18 min
